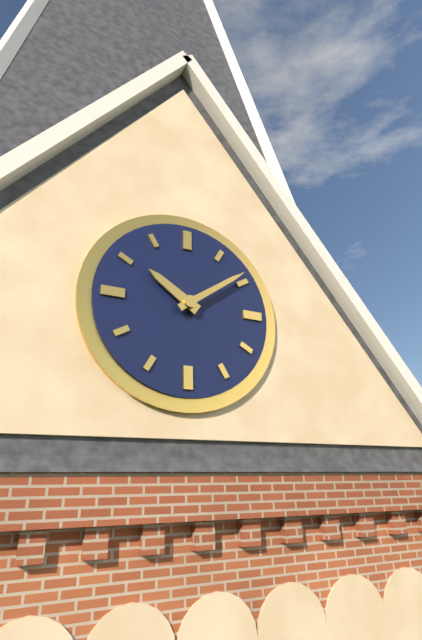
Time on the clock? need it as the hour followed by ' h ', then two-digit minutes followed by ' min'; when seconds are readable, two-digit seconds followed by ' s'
10 h 09 min
